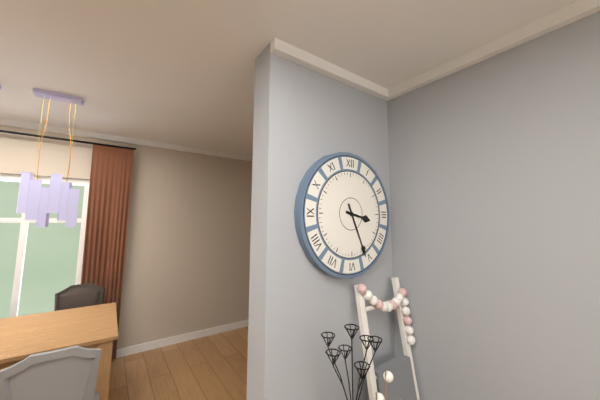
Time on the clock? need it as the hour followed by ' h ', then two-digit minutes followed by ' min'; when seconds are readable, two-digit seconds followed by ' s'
3 h 26 min
